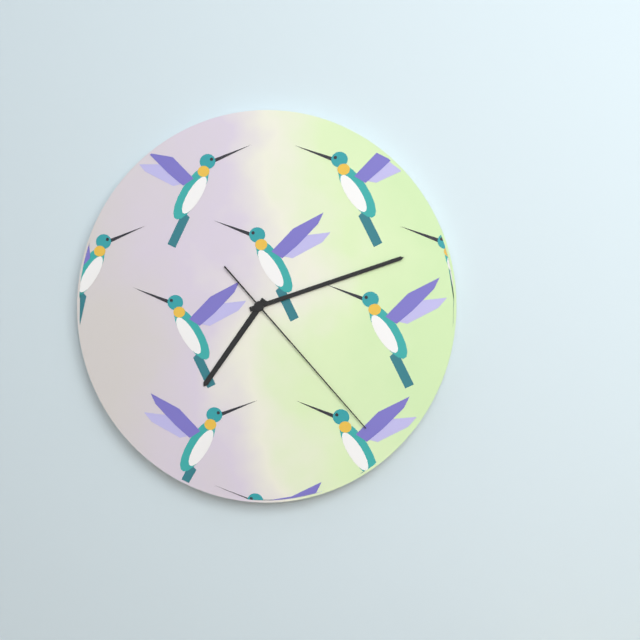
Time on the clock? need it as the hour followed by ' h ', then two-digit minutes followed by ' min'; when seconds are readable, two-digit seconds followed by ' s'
7 h 12 min 23 s
